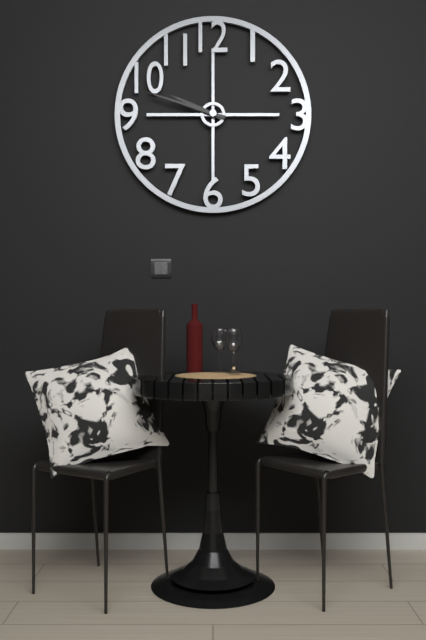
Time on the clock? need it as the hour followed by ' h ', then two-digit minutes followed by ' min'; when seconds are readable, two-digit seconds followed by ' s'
9 h 48 min
